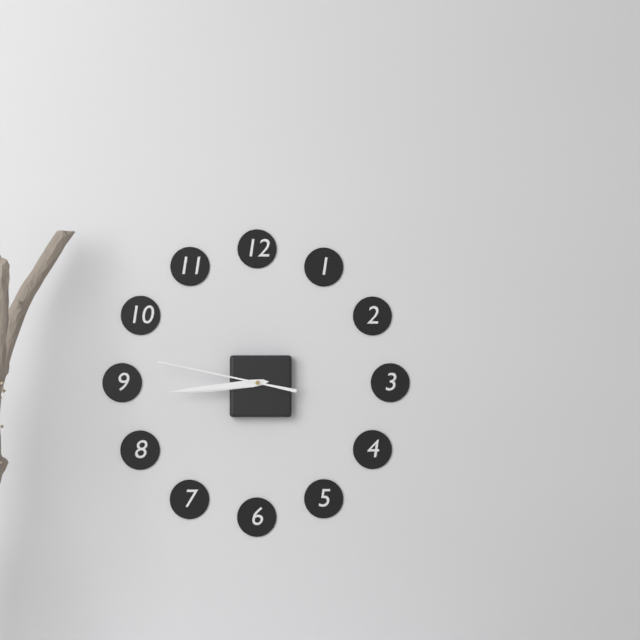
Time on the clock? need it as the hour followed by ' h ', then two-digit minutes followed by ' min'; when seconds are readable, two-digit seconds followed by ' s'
8 h 44 min 47 s
